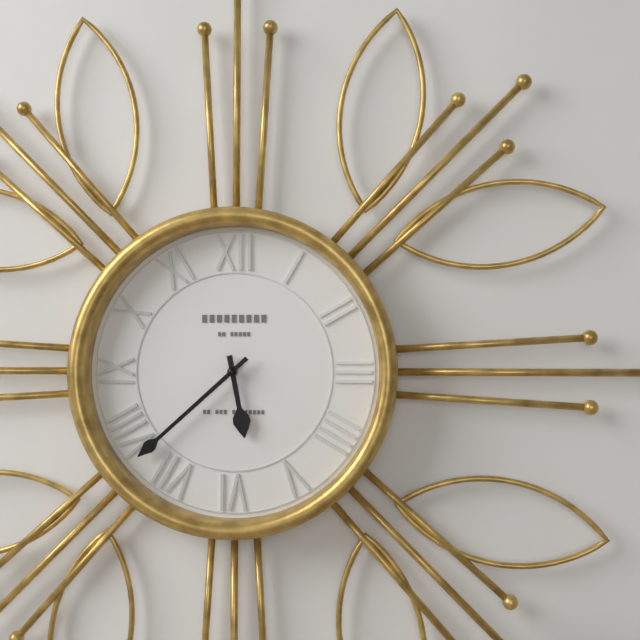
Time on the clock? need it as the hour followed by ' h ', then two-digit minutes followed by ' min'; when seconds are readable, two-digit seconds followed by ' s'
5 h 38 min
